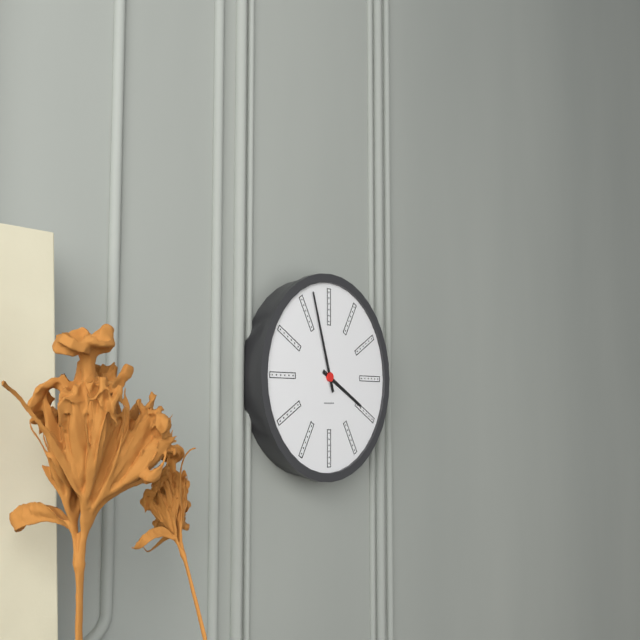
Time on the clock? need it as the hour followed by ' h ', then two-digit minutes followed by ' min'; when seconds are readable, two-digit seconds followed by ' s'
3 h 57 min
